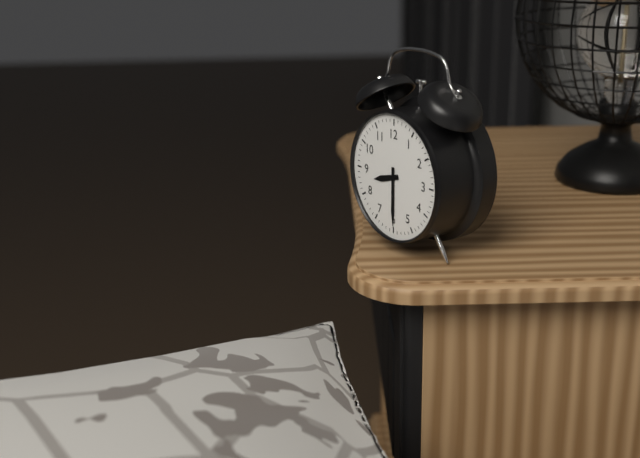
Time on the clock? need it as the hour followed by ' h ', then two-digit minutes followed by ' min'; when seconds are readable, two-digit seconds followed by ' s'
8 h 30 min
